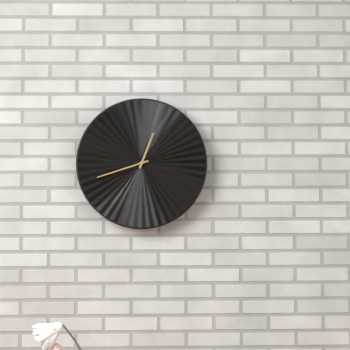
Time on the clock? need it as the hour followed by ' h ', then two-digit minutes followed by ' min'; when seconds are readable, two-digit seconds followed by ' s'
12 h 42 min
